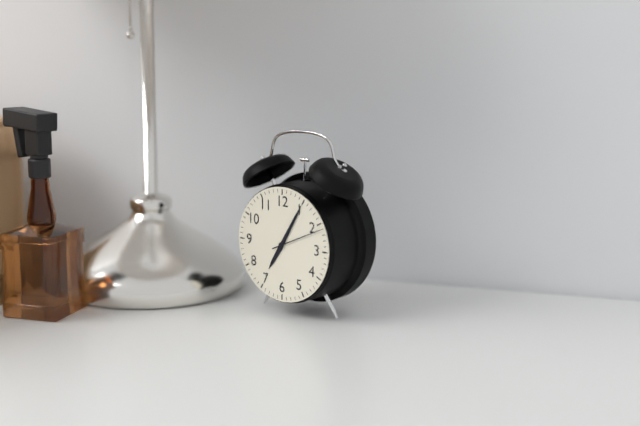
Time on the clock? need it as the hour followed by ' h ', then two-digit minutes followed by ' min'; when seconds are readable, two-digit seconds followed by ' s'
7 h 05 min 11 s
